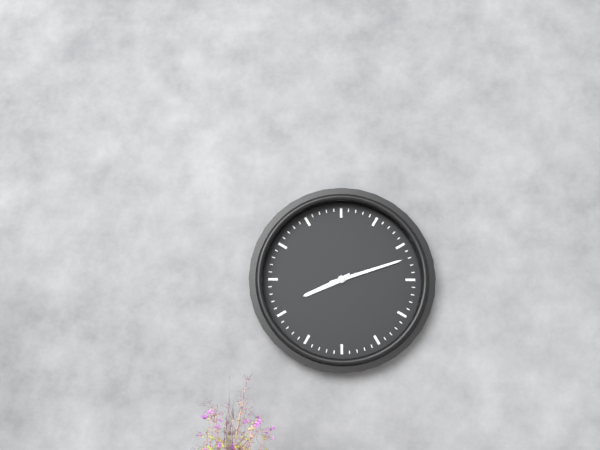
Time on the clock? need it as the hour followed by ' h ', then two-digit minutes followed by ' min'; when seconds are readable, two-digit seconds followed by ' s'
8 h 12 min
